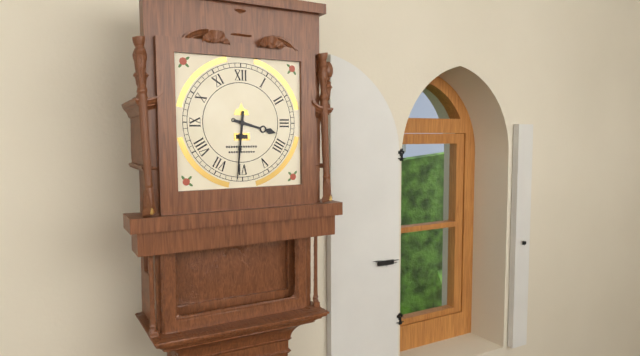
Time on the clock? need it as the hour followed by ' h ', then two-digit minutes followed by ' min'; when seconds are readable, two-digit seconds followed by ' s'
3 h 31 min
